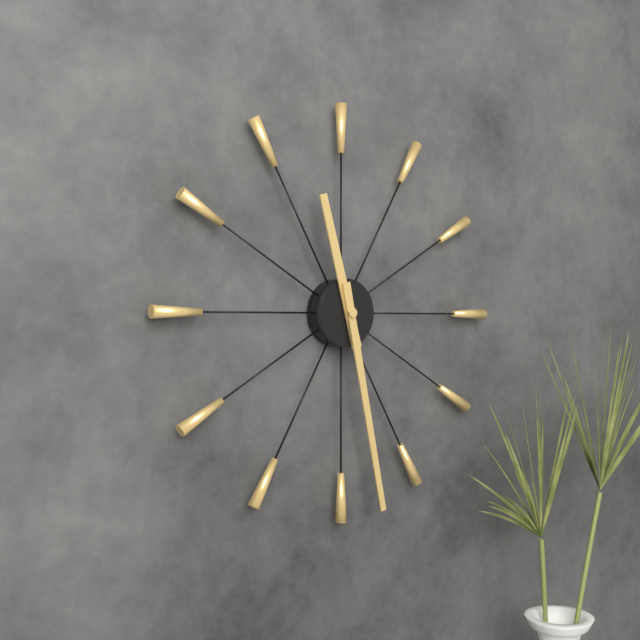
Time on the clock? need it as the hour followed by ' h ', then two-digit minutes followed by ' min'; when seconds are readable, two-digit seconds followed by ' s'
11 h 28 min
